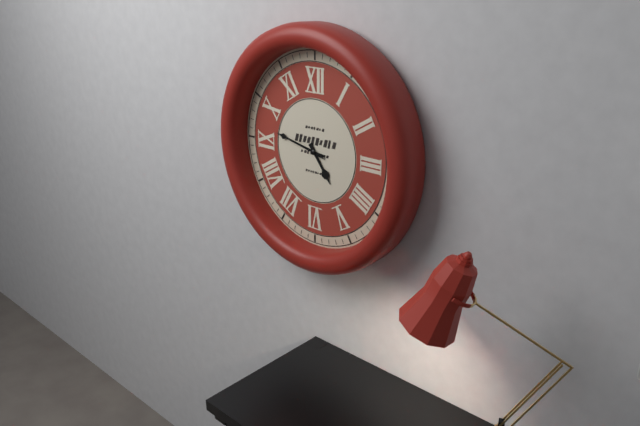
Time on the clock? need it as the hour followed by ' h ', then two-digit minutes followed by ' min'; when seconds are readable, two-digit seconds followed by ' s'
4 h 47 min
